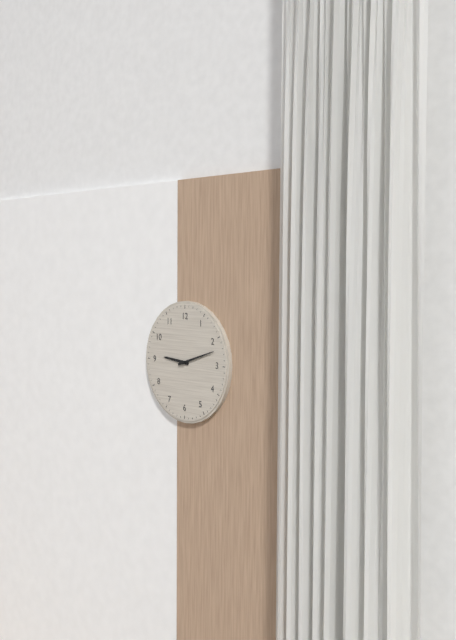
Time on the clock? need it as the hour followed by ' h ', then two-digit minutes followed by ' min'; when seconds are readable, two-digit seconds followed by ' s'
9 h 12 min
